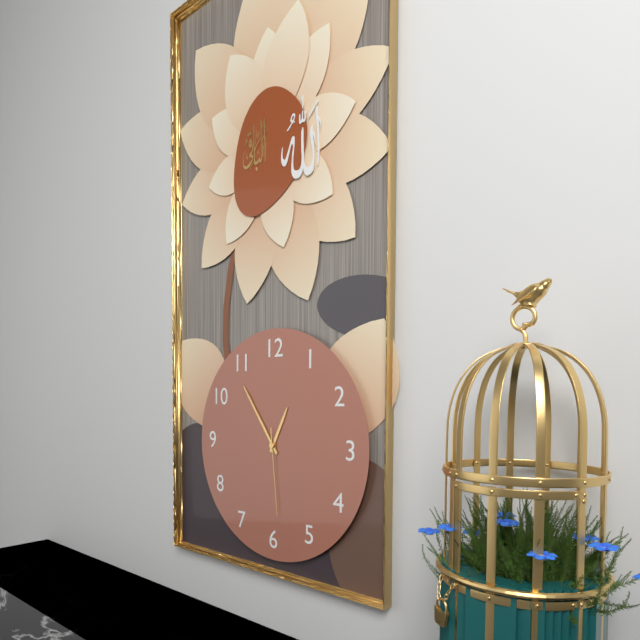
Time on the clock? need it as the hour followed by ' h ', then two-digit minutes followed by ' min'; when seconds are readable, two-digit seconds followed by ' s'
12 h 54 min 29 s
